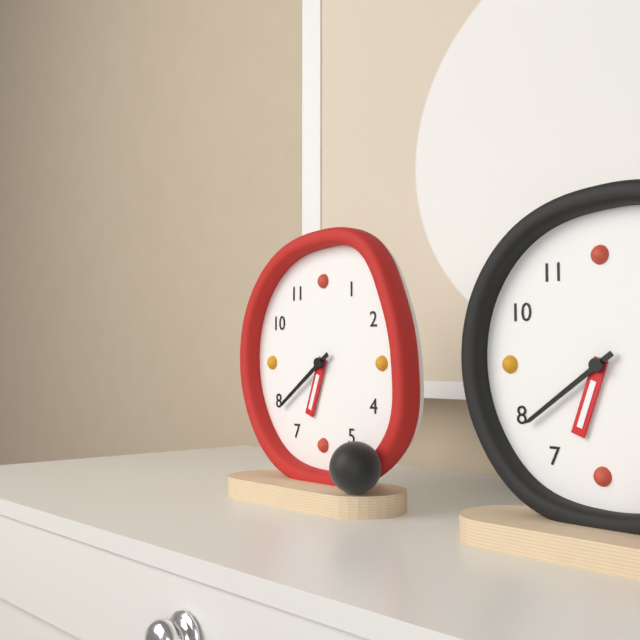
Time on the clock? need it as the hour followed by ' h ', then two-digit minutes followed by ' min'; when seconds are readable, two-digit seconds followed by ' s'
6 h 39 min
